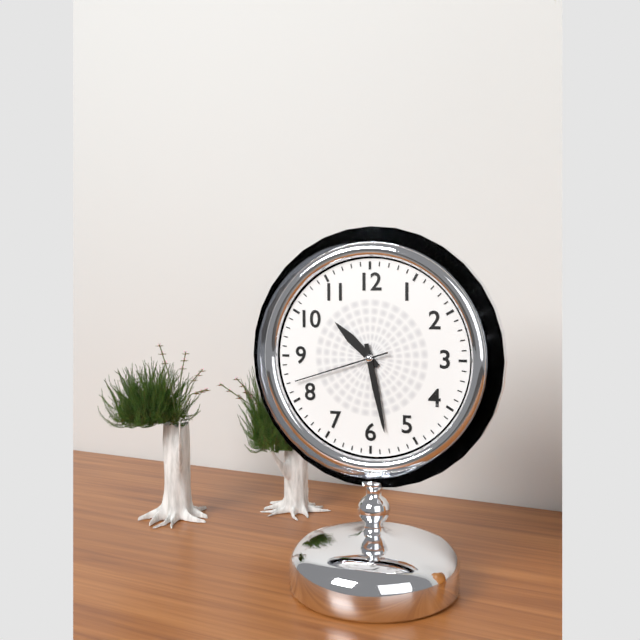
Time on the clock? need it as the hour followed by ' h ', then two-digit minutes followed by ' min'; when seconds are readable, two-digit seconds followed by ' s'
10 h 28 min 42 s
